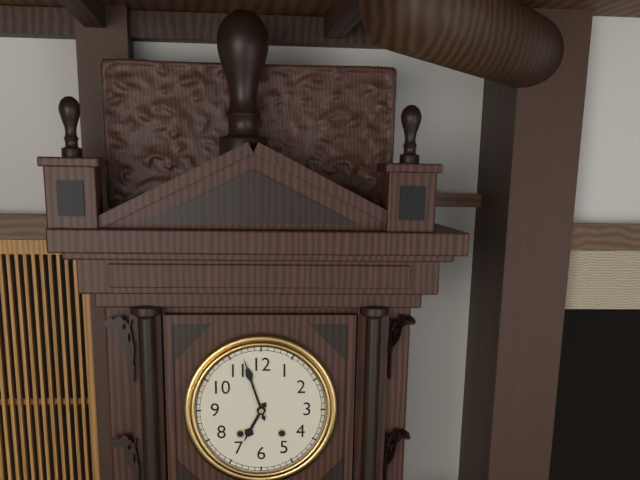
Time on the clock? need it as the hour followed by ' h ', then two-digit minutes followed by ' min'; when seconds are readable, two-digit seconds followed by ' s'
6 h 57 min
